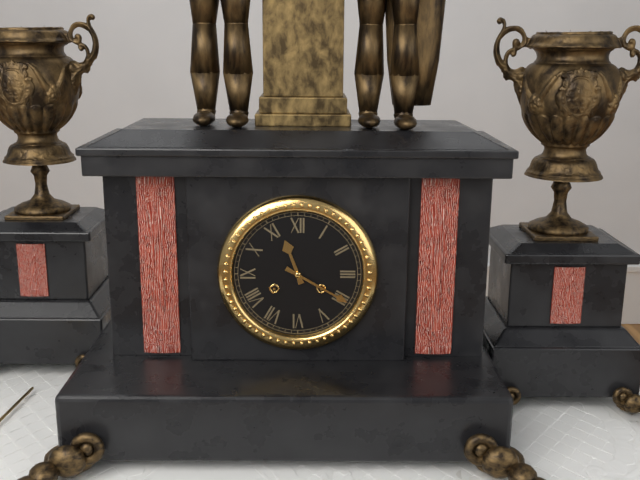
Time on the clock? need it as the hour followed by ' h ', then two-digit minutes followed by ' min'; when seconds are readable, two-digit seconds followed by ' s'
11 h 20 min
